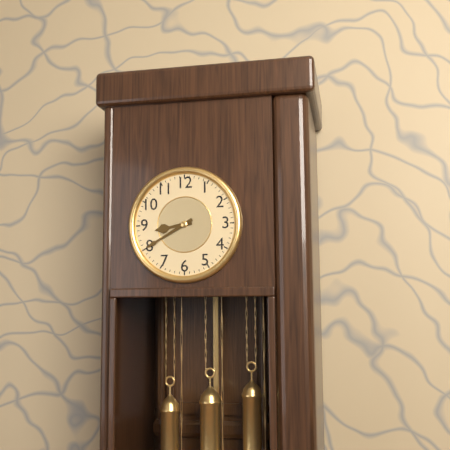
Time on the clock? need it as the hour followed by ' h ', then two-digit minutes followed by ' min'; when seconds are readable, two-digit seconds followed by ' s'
8 h 40 min
